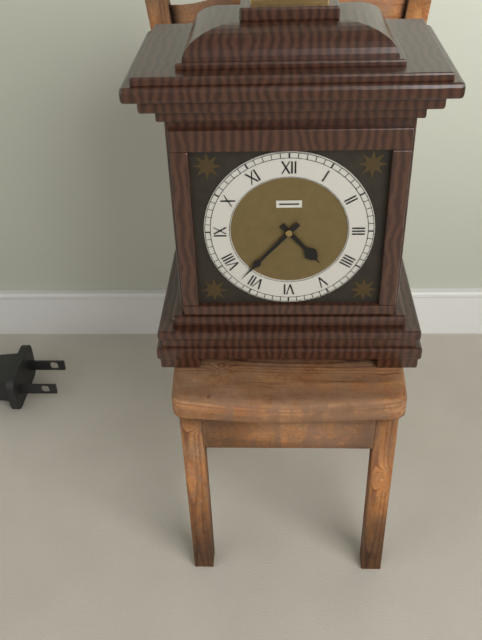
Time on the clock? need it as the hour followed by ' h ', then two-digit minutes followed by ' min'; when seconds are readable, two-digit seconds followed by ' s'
4 h 37 min
